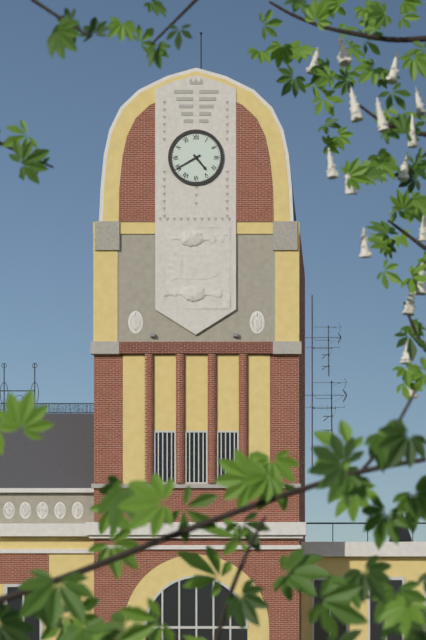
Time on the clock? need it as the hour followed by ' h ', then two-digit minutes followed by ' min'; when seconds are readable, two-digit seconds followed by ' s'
4 h 40 min
